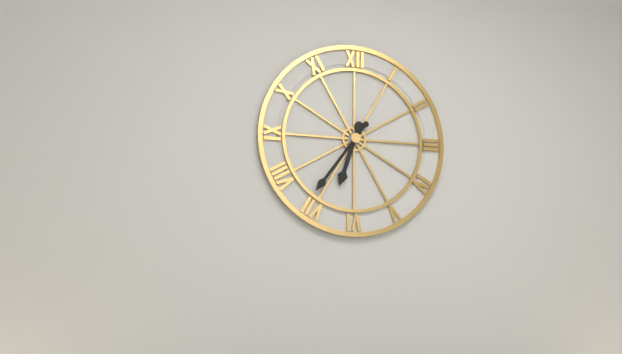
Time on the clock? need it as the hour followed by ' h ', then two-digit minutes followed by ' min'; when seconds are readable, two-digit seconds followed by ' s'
6 h 36 min
